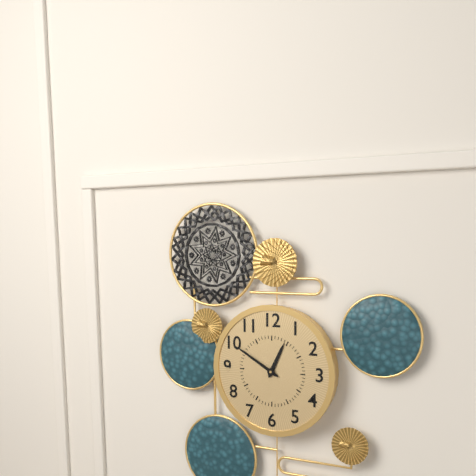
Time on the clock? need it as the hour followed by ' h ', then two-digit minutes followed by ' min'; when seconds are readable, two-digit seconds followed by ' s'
12 h 50 min
